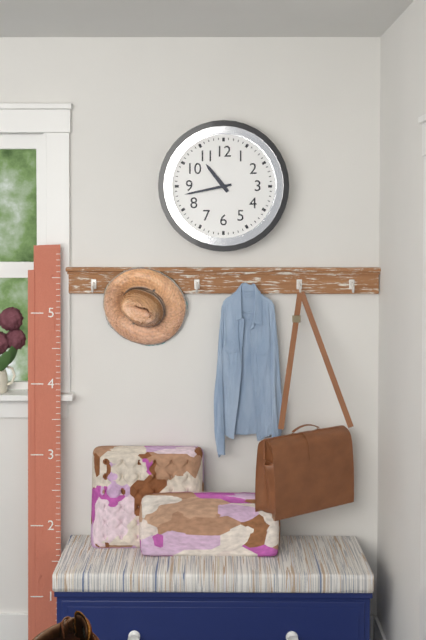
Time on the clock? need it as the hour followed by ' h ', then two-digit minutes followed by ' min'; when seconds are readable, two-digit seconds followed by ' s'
10 h 43 min
